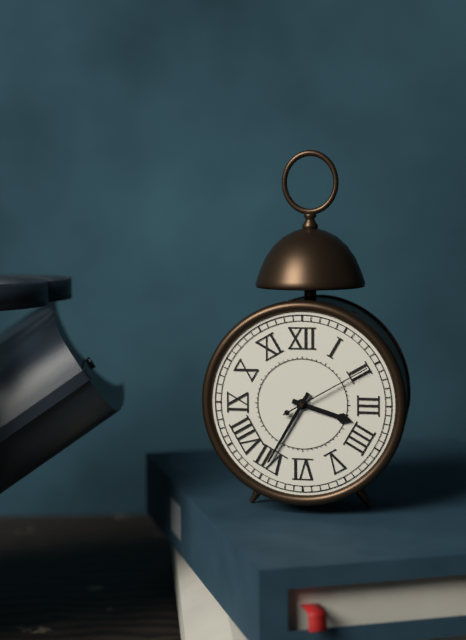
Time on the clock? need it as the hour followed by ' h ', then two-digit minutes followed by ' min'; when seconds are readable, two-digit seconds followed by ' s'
3 h 35 min 10 s
